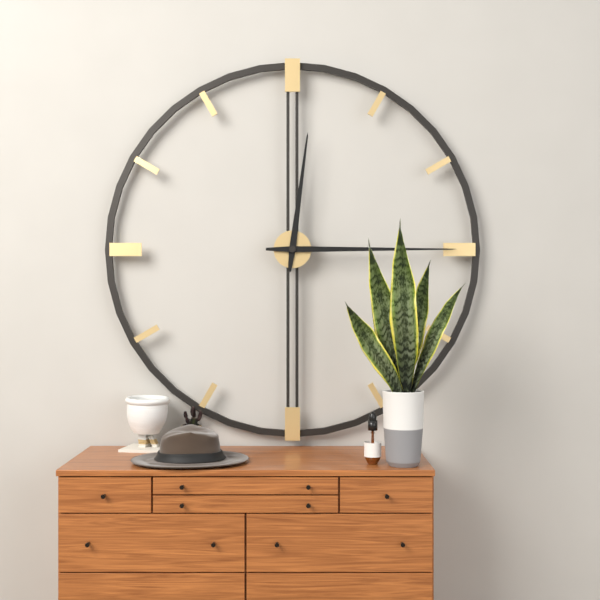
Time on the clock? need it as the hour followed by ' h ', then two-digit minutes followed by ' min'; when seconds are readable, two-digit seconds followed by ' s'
12 h 15 min
